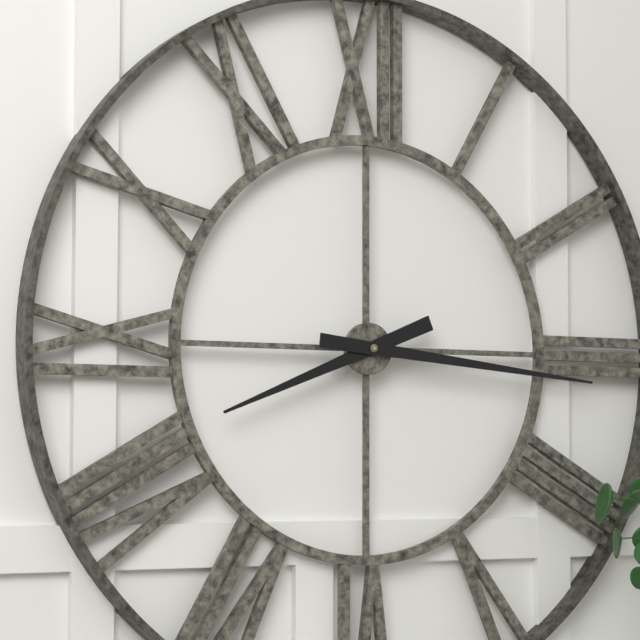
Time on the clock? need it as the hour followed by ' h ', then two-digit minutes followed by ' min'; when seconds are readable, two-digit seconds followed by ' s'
8 h 16 min
